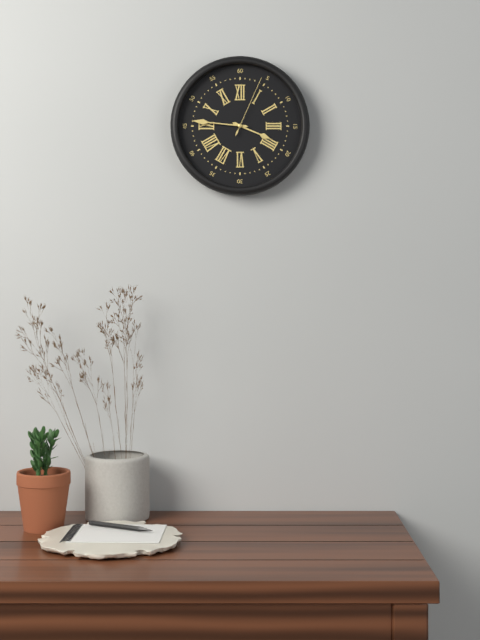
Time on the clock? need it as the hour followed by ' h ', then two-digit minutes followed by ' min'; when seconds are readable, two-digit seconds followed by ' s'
3 h 46 min 04 s
